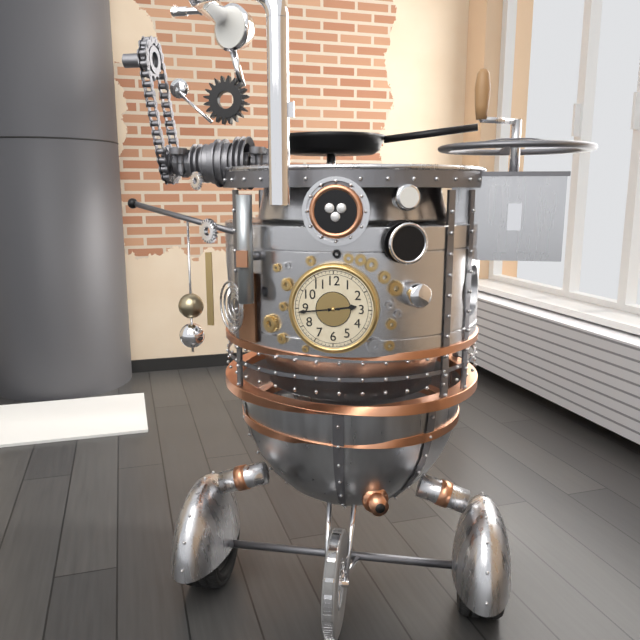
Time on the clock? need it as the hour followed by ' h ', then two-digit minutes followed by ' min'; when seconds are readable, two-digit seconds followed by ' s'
2 h 44 min
